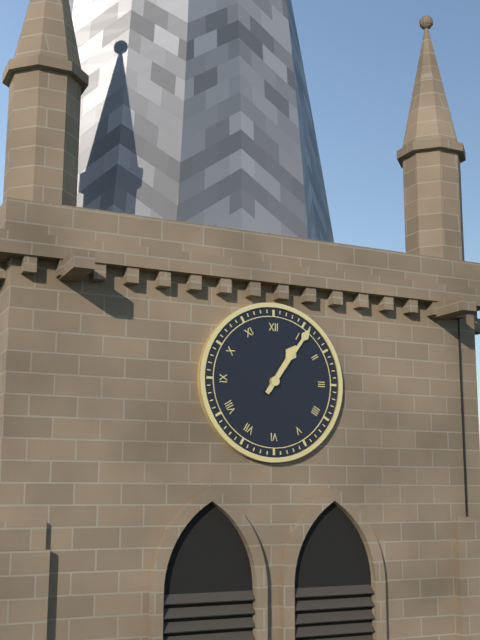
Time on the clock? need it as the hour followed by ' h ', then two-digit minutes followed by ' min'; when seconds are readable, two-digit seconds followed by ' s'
1 h 06 min
